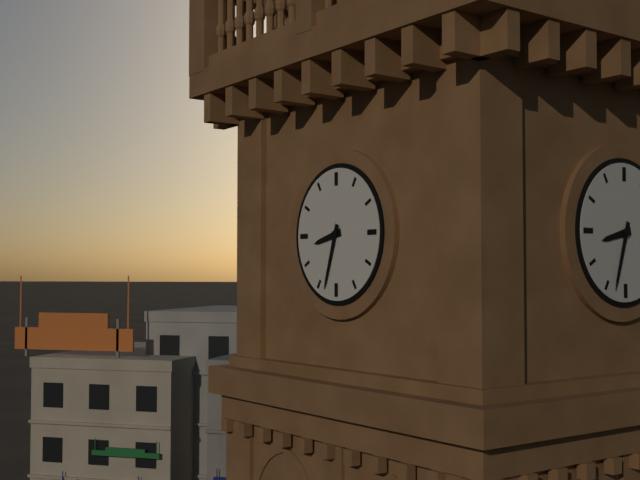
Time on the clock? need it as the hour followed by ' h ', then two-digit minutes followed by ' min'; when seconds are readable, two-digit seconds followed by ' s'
8 h 33 min
